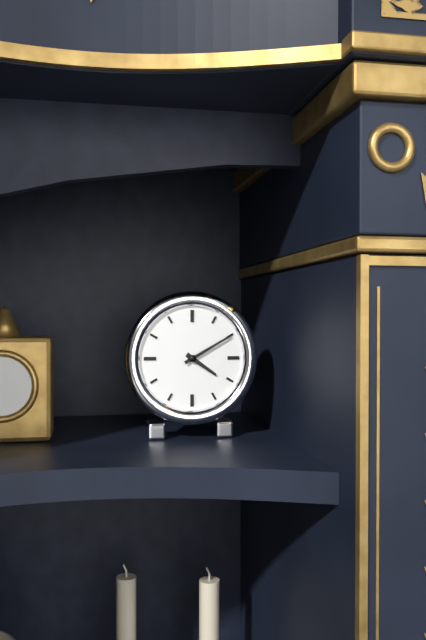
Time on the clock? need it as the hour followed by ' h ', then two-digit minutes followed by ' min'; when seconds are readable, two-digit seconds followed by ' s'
4 h 10 min
